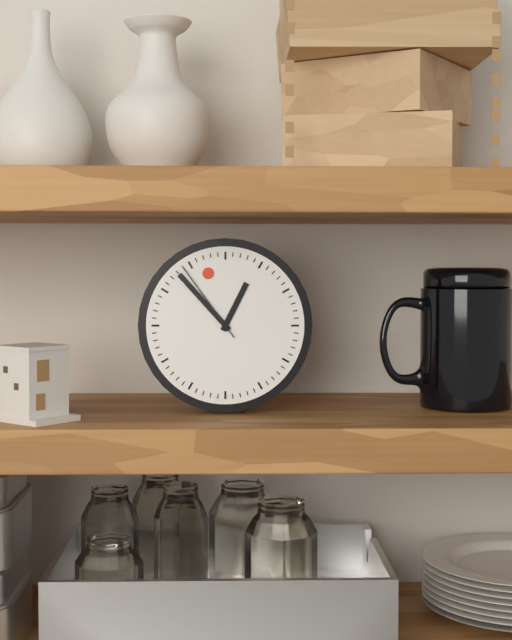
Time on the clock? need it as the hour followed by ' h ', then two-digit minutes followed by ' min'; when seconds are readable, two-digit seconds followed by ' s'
12 h 53 min 54 s
